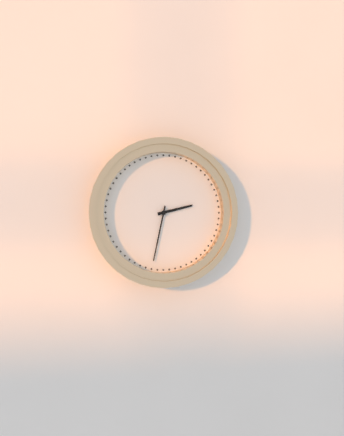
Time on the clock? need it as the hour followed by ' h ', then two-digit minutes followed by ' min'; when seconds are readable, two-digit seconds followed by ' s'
2 h 32 min
